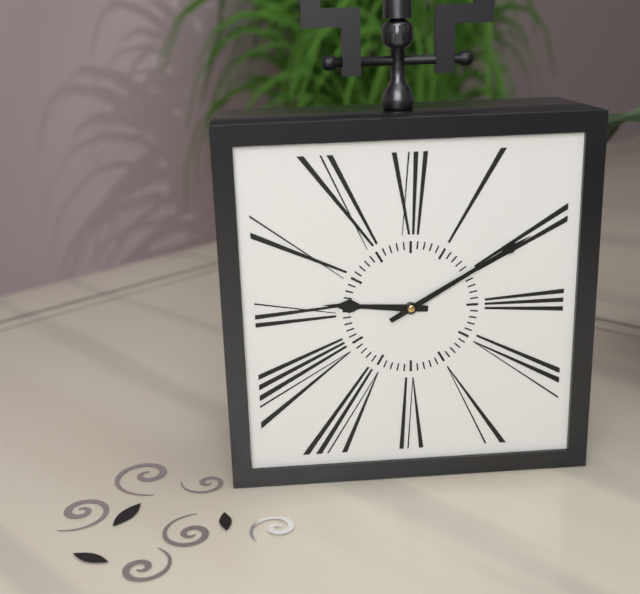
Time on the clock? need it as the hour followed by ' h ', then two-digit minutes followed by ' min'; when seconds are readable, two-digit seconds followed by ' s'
9 h 10 min
